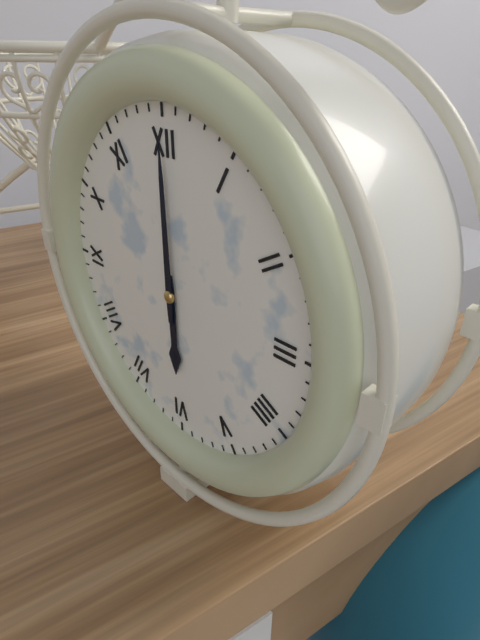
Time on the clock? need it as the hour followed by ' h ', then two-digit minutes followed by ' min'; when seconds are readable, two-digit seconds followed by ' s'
6 h 00 min
